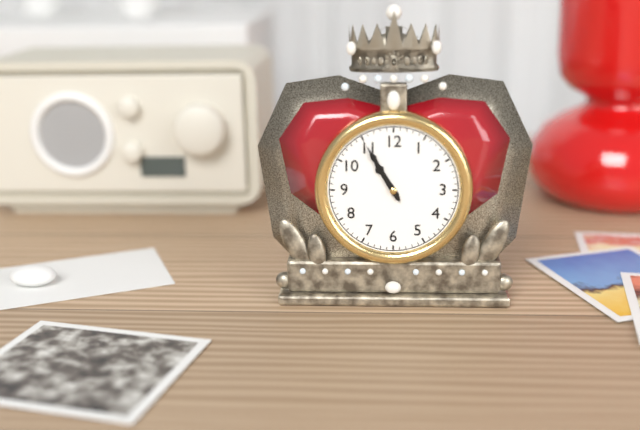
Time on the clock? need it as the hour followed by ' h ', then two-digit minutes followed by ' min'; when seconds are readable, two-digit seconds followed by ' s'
10 h 55 min
